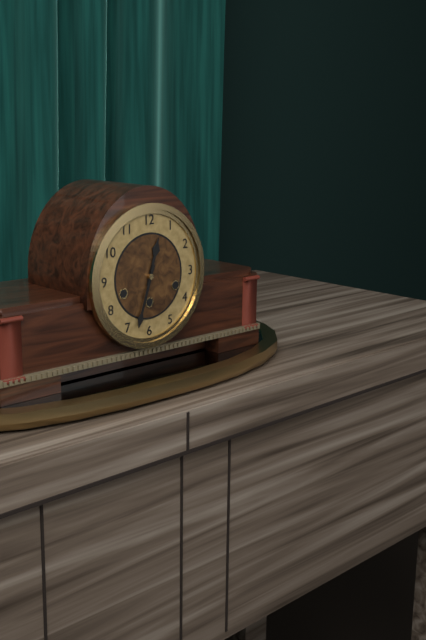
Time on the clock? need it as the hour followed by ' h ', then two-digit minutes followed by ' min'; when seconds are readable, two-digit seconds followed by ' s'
12 h 33 min
